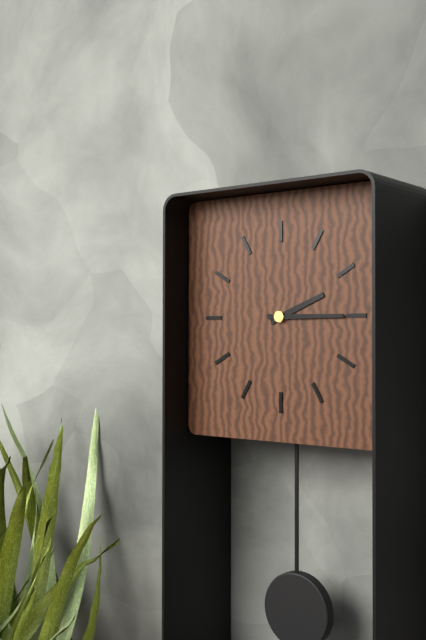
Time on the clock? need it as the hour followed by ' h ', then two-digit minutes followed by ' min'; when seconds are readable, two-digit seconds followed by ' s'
2 h 15 min
